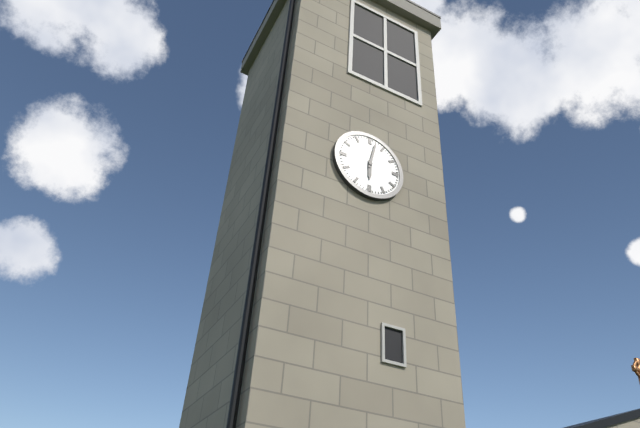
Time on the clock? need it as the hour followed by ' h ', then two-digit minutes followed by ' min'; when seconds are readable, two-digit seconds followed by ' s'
6 h 02 min
